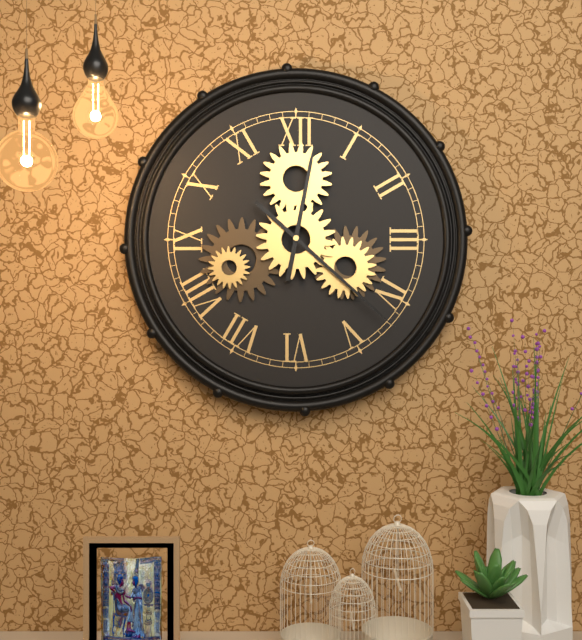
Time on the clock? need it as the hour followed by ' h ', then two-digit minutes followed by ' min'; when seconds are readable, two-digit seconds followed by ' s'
12 h 22 min
